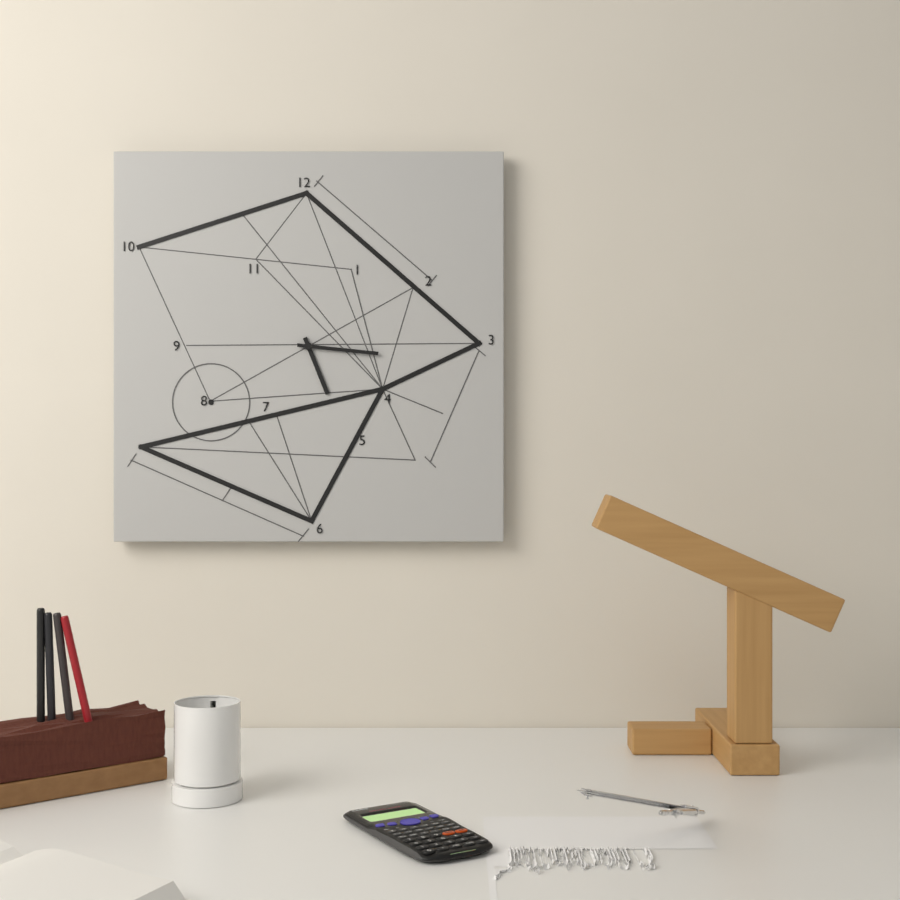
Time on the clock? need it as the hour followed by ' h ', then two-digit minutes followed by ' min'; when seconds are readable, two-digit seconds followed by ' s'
5 h 16 min
